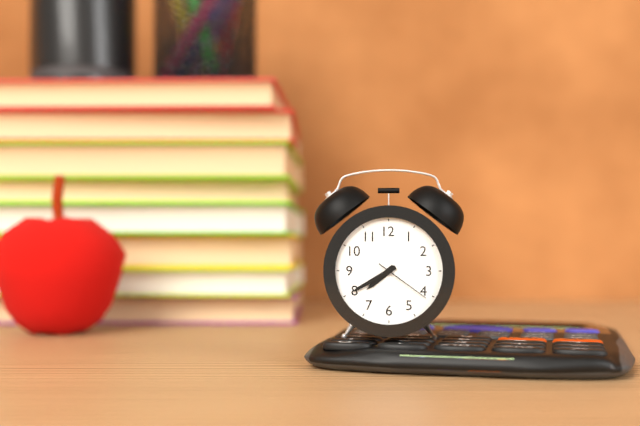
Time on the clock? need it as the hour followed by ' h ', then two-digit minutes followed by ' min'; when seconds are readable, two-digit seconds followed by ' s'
7 h 40 min 21 s
